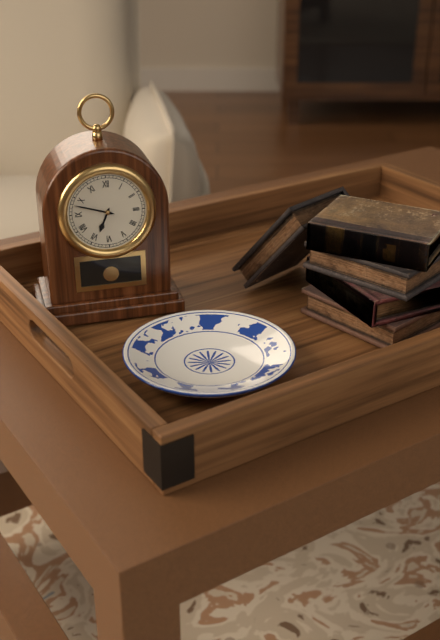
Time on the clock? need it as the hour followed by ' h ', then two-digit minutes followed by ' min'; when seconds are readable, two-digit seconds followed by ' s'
6 h 48 min
